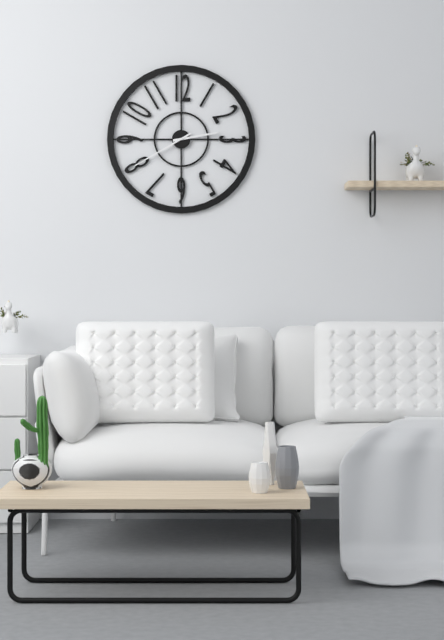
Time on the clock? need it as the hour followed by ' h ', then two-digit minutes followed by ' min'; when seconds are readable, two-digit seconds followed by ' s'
2 h 40 min
